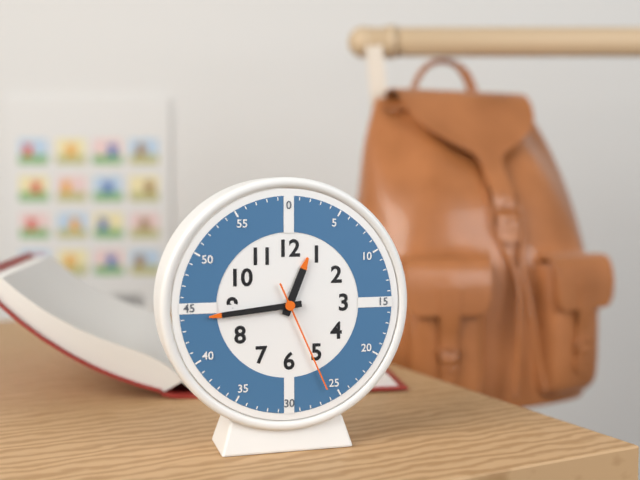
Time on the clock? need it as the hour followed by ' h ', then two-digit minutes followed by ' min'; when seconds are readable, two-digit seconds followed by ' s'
12 h 44 min 26 s
